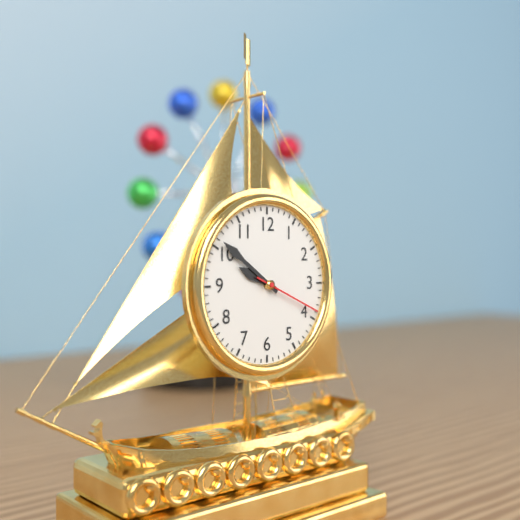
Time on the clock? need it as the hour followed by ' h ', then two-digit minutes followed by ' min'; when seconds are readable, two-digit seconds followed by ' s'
9 h 51 min 19 s
